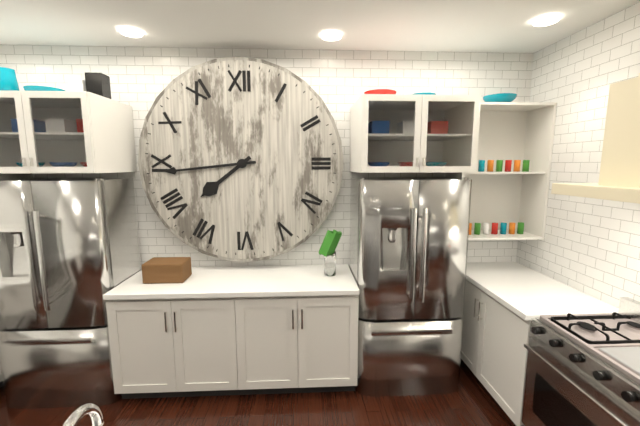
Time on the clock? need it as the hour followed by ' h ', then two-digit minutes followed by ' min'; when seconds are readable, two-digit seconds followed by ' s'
7 h 44 min
